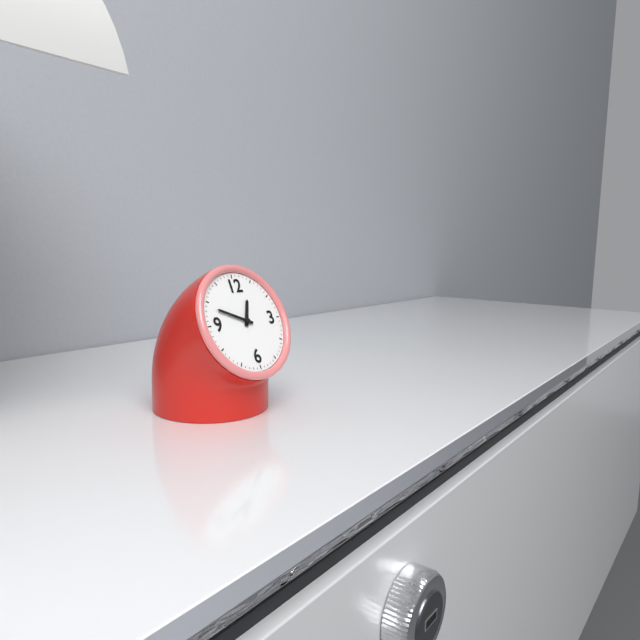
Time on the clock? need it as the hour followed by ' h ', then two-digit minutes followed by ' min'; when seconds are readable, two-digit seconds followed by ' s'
12 h 49 min
